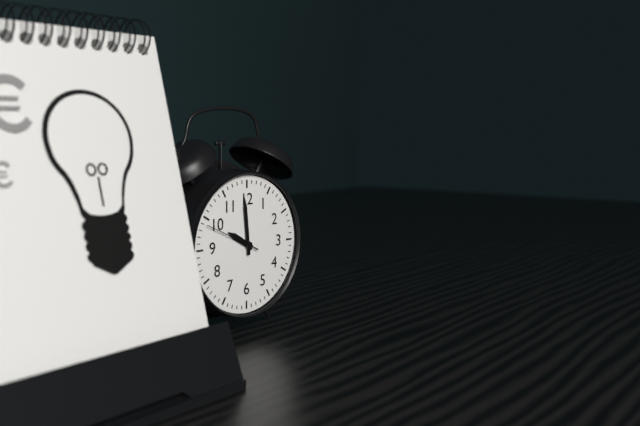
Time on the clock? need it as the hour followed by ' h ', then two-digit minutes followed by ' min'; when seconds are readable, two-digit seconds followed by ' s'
9 h 59 min 49 s
